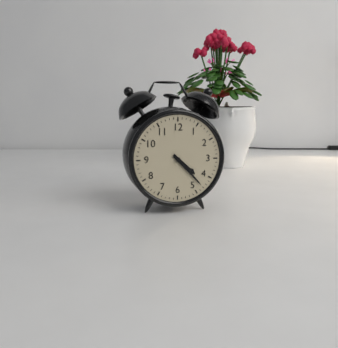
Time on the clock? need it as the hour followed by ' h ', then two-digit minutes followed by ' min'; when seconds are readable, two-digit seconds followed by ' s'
4 h 23 min
